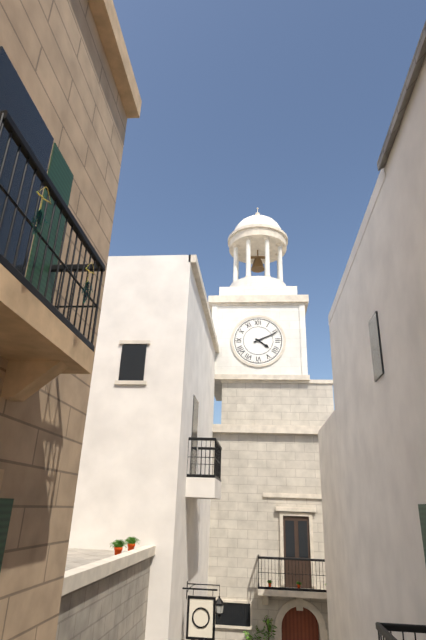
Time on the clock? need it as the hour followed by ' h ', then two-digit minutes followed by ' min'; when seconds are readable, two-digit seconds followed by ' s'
4 h 11 min
